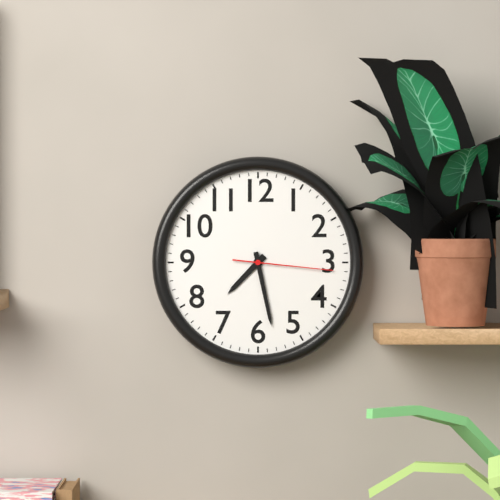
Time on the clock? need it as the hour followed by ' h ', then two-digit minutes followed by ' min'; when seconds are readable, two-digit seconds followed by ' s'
7 h 28 min 16 s
